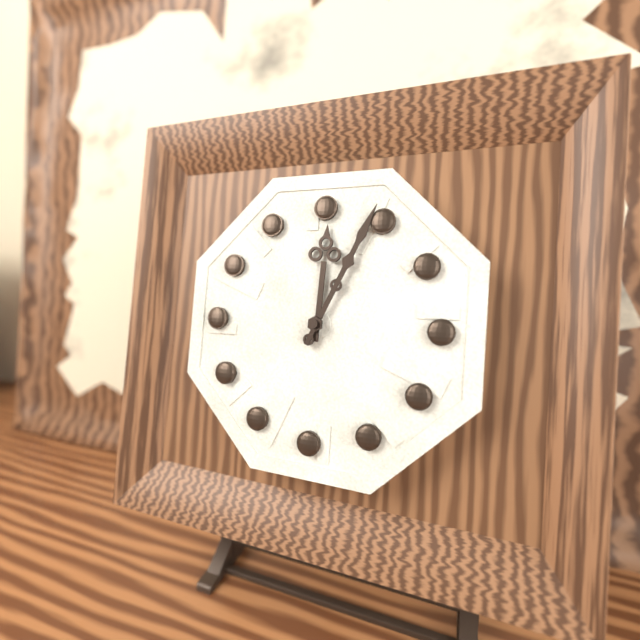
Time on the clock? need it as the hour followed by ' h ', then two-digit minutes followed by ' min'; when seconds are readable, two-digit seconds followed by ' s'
12 h 04 min
